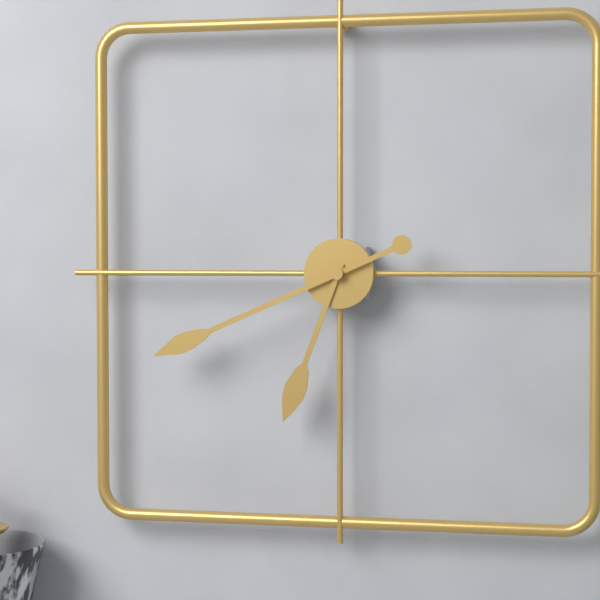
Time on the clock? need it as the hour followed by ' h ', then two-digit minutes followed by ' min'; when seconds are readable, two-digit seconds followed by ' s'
6 h 41 min
